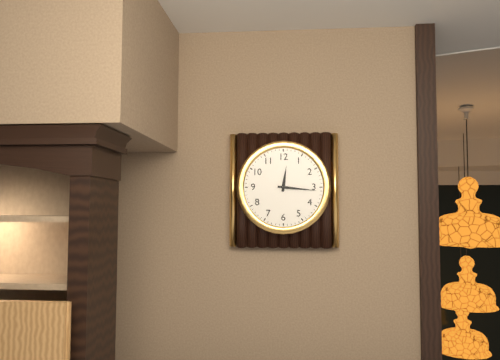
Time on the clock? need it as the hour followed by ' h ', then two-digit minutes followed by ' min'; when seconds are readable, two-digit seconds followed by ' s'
12 h 16 min
